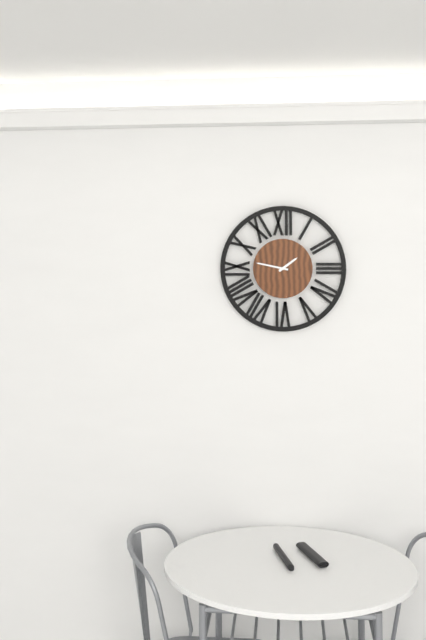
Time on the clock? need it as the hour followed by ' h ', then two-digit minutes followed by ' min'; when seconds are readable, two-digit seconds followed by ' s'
1 h 47 min
